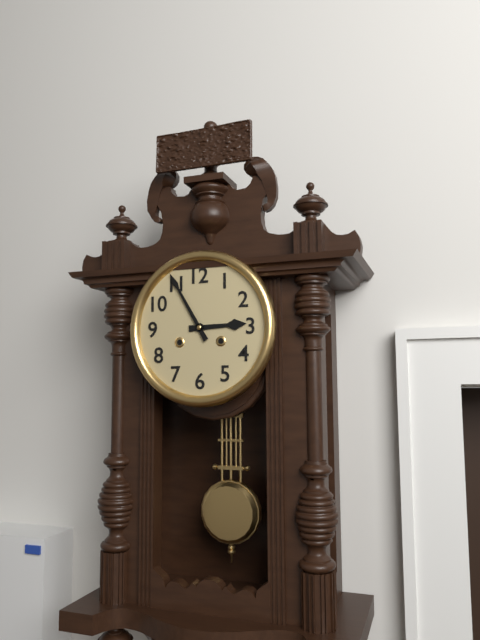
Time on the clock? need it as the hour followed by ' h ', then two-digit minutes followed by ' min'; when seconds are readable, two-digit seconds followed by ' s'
2 h 55 min
